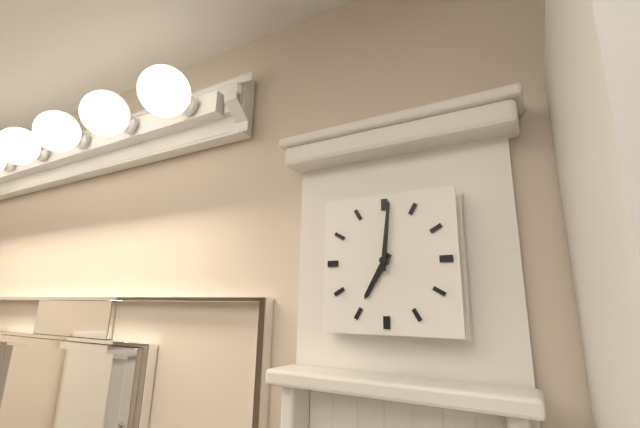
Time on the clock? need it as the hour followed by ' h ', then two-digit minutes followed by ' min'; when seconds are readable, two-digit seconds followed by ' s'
7 h 01 min
